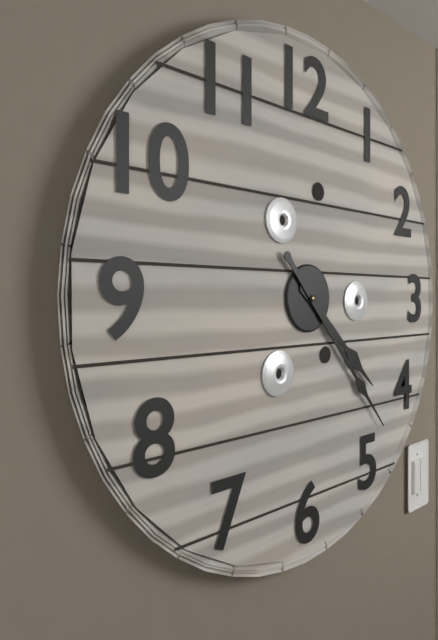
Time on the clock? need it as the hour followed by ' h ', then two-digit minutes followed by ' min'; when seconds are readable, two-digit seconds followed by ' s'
4 h 23 min
